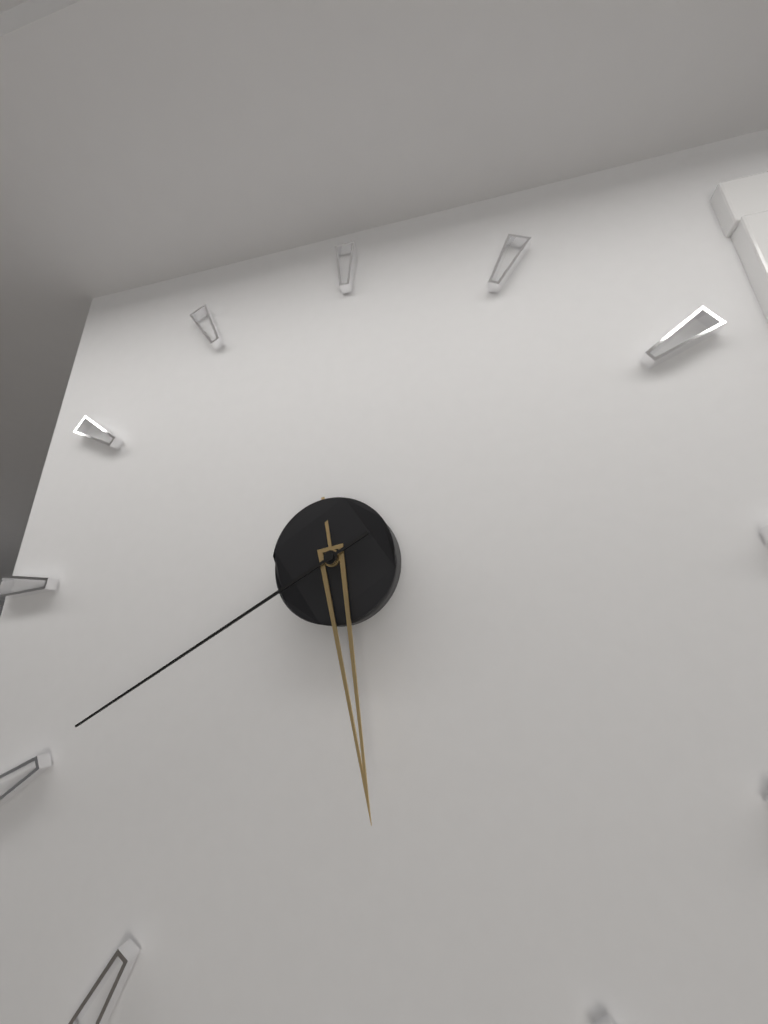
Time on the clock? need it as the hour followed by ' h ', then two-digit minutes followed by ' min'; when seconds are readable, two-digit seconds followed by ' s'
5 h 40 min
